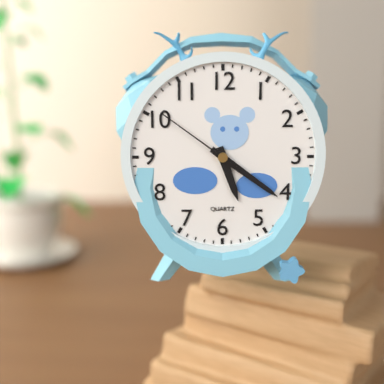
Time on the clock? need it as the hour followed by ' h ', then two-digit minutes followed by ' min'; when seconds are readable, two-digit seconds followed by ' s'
5 h 21 min 51 s
